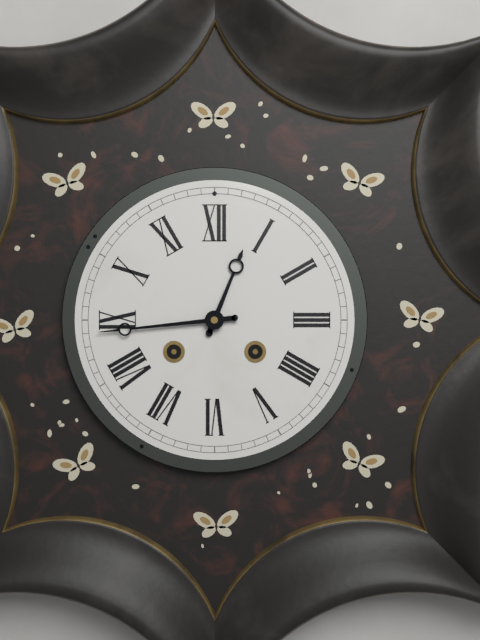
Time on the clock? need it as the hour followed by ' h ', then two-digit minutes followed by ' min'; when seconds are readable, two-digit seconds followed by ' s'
12 h 44 min
